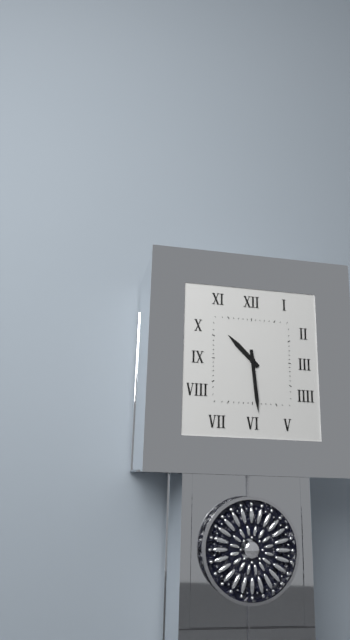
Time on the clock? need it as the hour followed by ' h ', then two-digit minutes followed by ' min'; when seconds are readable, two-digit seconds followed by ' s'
10 h 29 min
